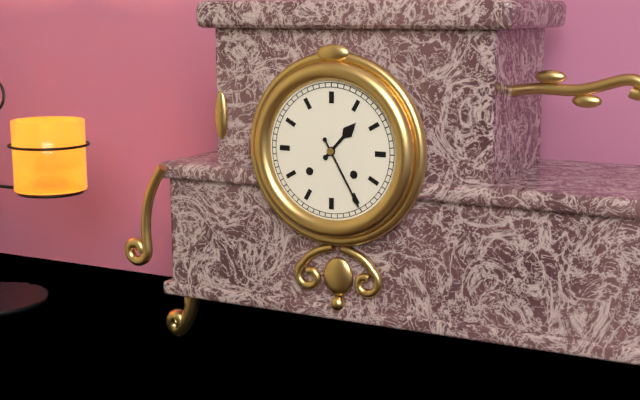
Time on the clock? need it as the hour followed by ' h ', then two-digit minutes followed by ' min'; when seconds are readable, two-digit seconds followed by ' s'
1 h 25 min
